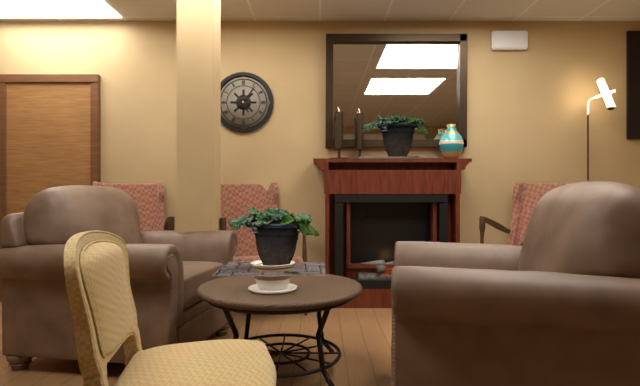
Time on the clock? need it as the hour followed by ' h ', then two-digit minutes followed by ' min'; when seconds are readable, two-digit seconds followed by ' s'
5 h 06 min
